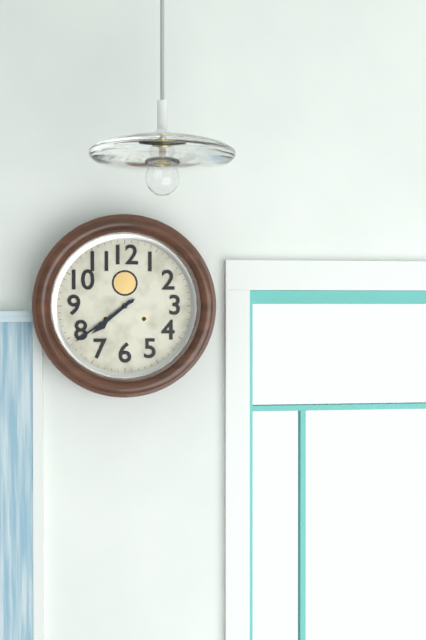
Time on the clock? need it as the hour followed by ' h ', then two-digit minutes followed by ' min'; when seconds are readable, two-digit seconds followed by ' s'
7 h 39 min
